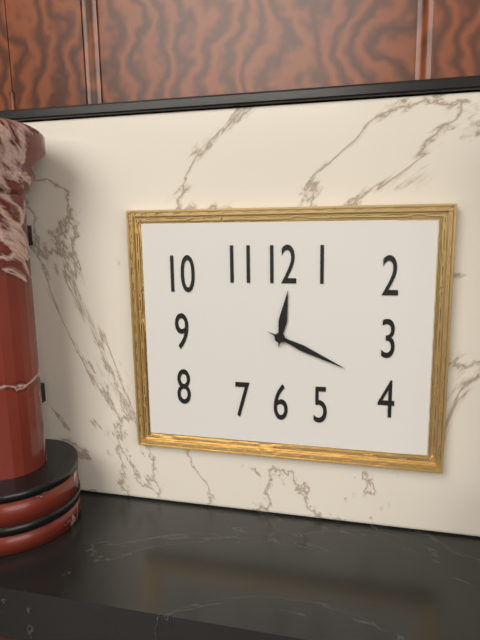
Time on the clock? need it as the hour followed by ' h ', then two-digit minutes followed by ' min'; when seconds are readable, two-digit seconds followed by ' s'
12 h 19 min
